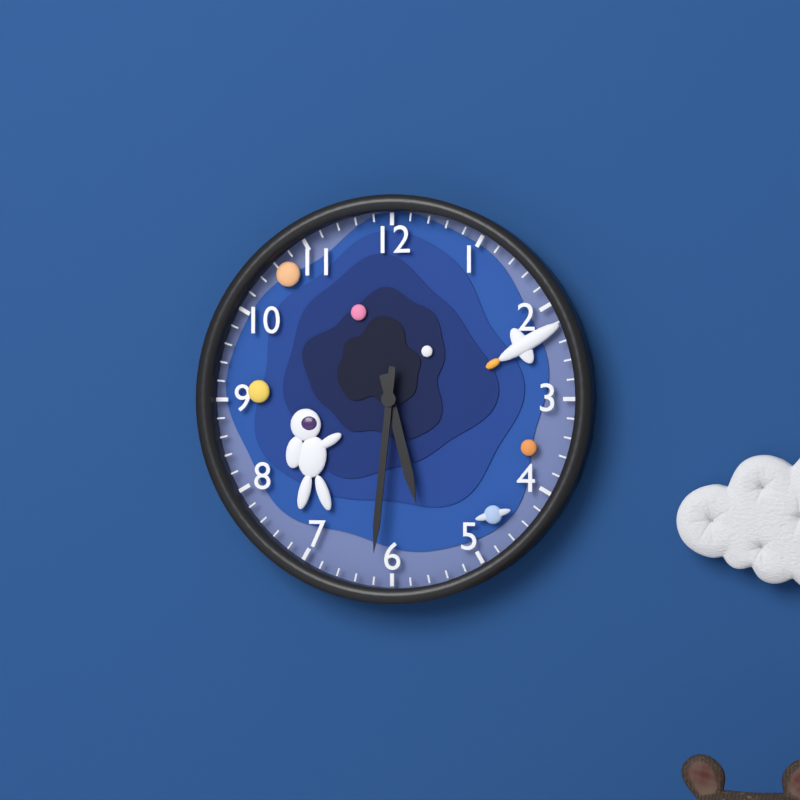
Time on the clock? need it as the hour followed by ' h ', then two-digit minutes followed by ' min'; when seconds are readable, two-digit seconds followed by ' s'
5 h 31 min
